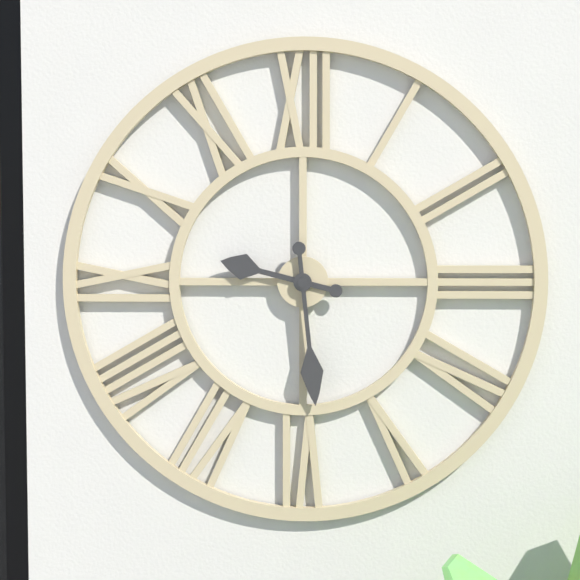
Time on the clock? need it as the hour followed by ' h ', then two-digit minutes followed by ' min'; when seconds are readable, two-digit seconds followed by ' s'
9 h 29 min
